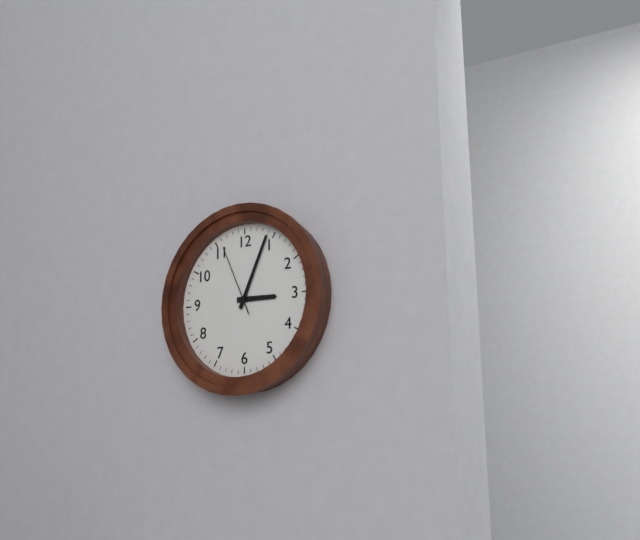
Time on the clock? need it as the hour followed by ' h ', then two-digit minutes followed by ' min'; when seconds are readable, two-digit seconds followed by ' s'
3 h 04 min 56 s
